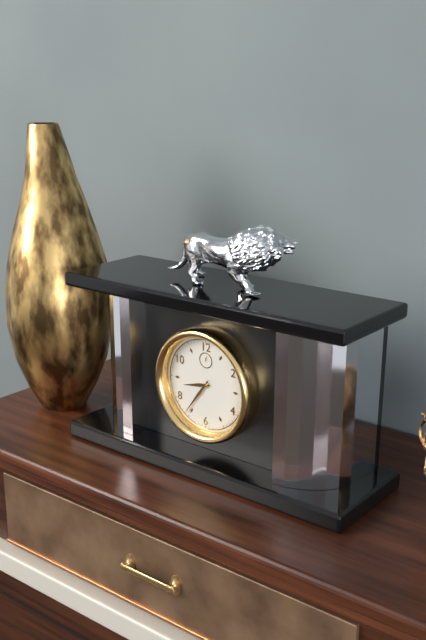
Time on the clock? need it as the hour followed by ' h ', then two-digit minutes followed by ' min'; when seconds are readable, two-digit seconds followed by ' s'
8 h 36 min
